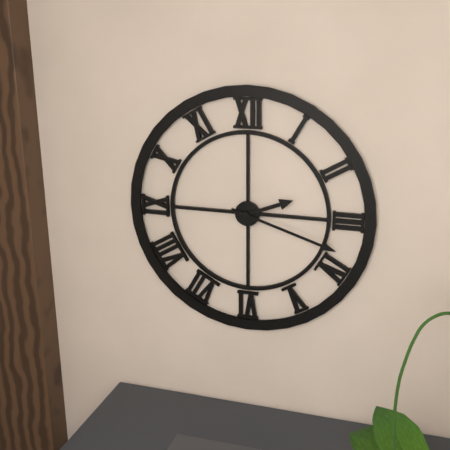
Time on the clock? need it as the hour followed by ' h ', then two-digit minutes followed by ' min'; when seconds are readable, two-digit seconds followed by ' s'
2 h 18 min
